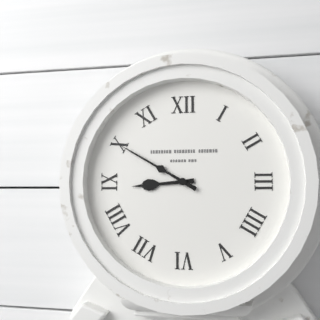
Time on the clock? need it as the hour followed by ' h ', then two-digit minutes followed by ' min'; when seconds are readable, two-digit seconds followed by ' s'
8 h 50 min
